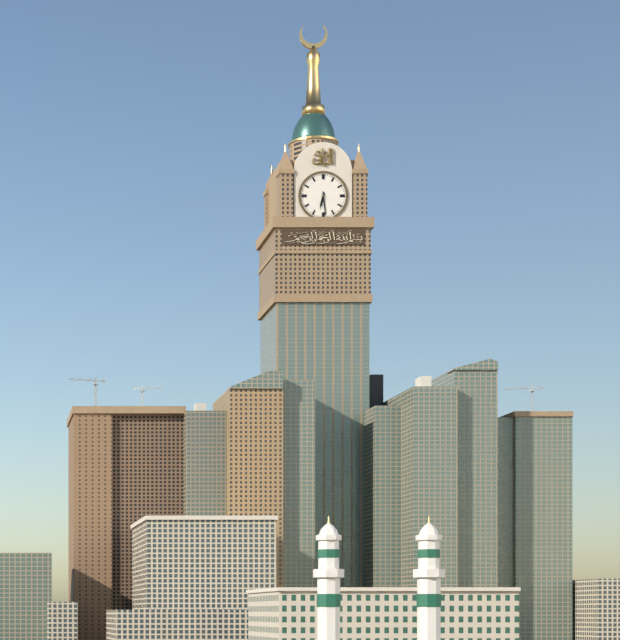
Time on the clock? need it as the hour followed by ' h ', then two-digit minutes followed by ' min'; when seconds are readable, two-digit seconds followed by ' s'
6 h 29 min
